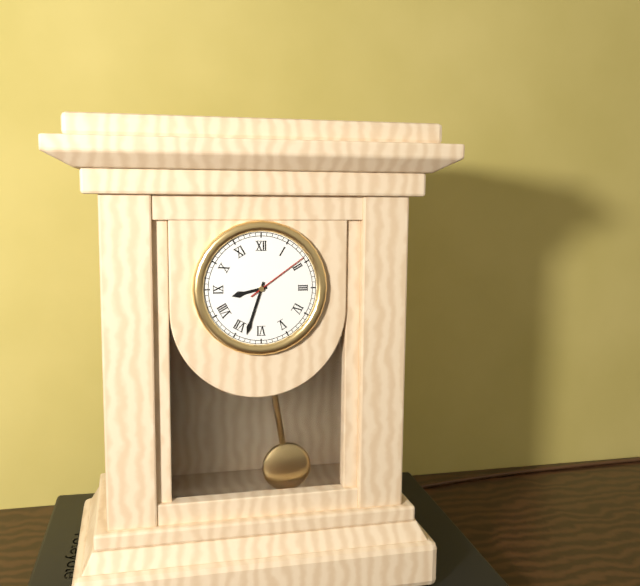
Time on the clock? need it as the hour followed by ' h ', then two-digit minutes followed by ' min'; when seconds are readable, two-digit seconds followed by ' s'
8 h 33 min 09 s
